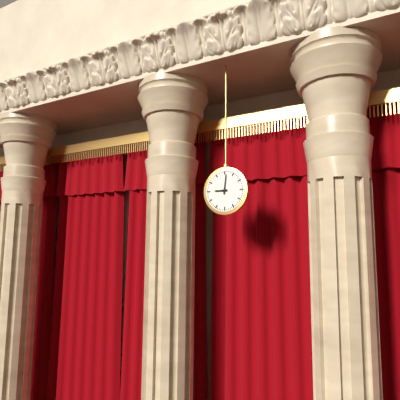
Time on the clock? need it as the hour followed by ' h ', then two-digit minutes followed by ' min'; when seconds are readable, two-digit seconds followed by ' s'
9 h 01 min
